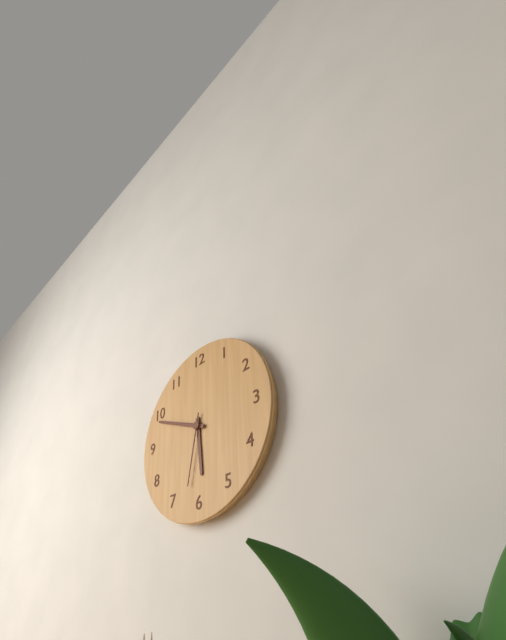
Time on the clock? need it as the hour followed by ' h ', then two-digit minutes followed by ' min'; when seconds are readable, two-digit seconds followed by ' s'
5 h 49 min 32 s
